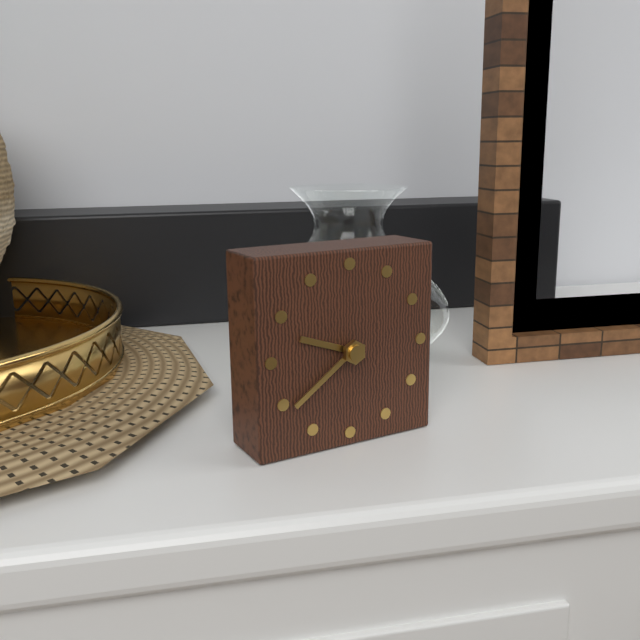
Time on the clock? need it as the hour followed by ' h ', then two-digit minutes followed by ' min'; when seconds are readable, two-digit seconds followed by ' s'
9 h 39 min
